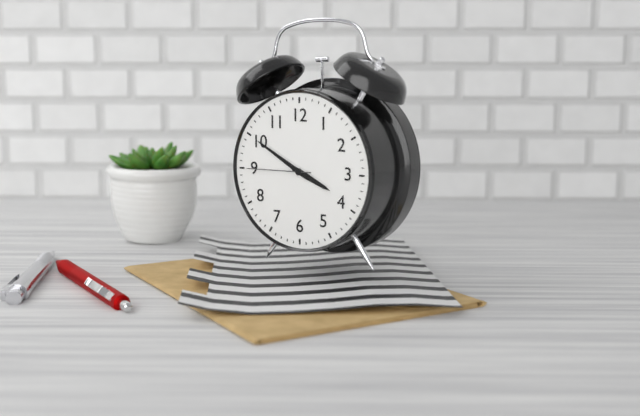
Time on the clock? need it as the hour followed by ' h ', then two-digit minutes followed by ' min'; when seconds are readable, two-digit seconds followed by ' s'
3 h 50 min 45 s
